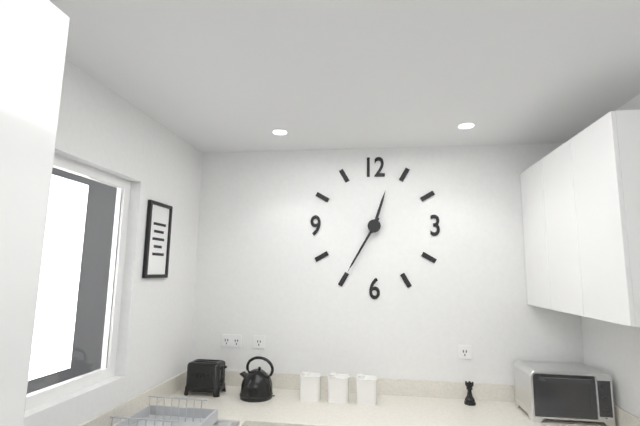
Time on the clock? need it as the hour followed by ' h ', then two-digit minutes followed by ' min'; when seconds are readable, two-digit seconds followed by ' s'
12 h 35 min
